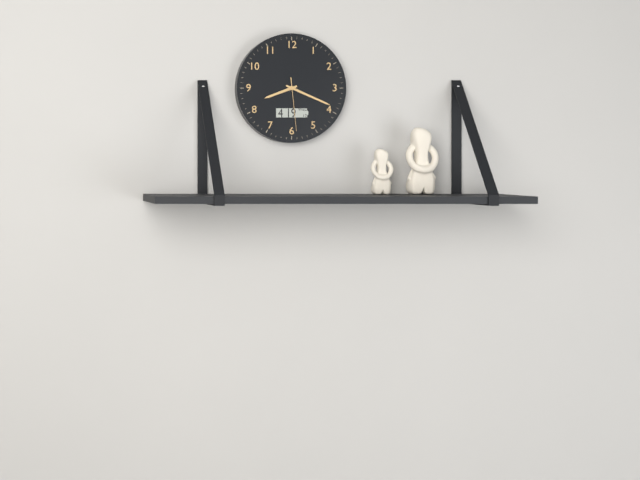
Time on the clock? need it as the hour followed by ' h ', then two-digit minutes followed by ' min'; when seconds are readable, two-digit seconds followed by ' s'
8 h 19 min 29 s
